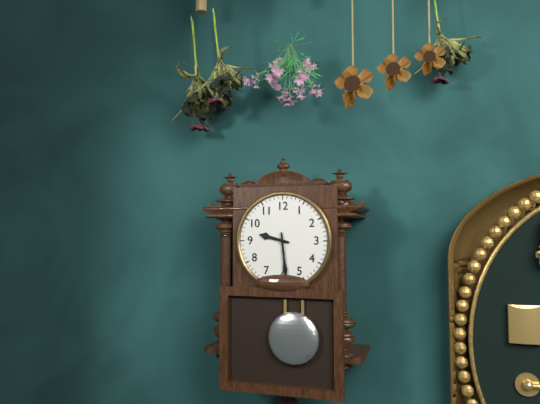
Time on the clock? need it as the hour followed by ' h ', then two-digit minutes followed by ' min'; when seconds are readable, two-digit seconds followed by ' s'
9 h 29 min
